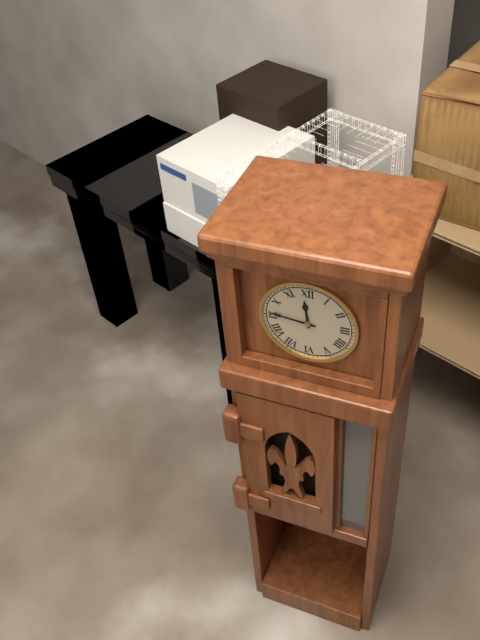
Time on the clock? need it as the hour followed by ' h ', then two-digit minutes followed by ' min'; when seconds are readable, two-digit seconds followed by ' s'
11 h 46 min
